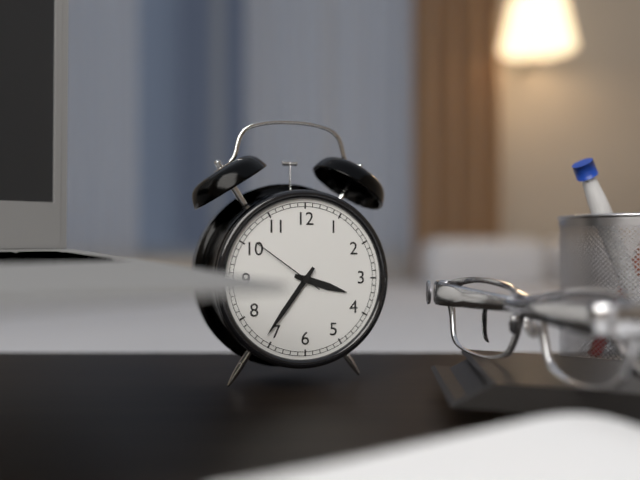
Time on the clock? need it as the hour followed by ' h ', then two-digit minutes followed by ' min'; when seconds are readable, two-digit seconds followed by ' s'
3 h 36 min 51 s
